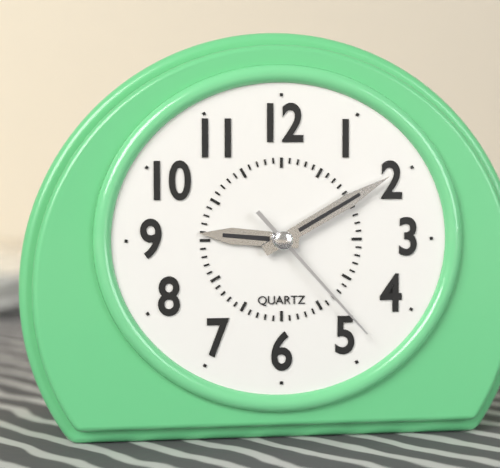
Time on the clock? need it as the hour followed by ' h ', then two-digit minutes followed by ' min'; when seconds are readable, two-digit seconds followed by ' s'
9 h 10 min 23 s
